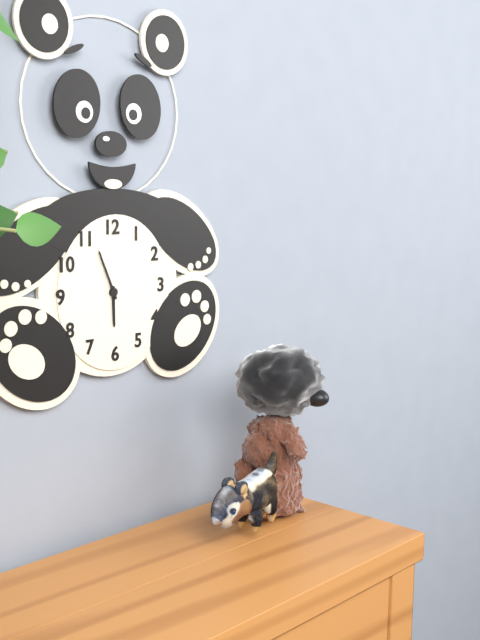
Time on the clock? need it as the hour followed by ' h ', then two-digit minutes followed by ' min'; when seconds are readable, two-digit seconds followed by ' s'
5 h 56 min
